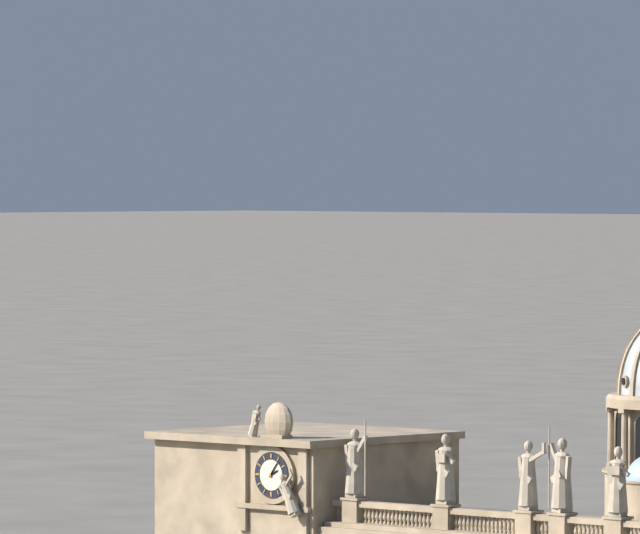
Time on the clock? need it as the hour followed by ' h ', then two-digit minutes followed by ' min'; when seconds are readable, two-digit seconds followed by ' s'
2 h 06 min
